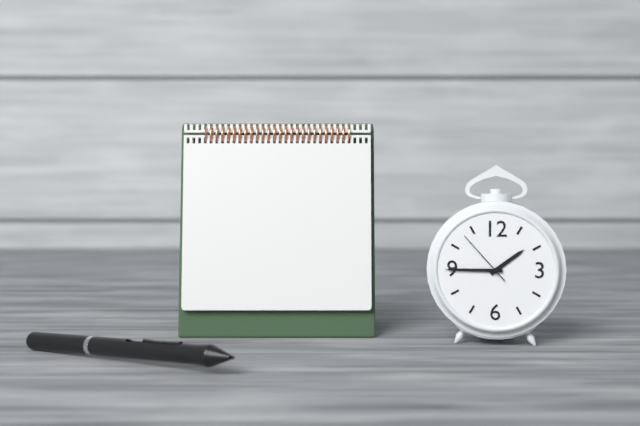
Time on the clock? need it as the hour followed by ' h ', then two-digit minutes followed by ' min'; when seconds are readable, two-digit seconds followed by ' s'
1 h 45 min 53 s
